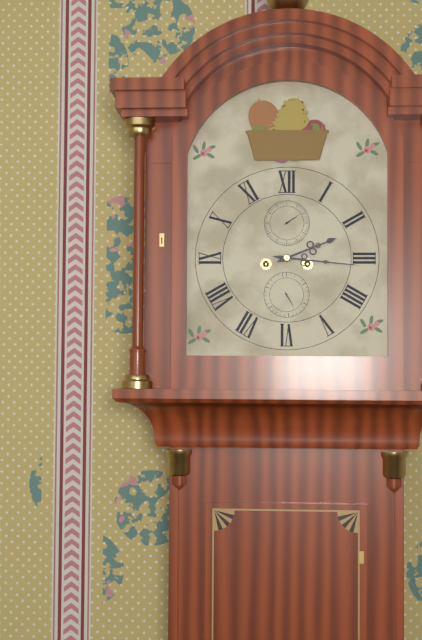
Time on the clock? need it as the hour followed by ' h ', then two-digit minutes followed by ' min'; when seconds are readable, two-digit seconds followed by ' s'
2 h 16 min
